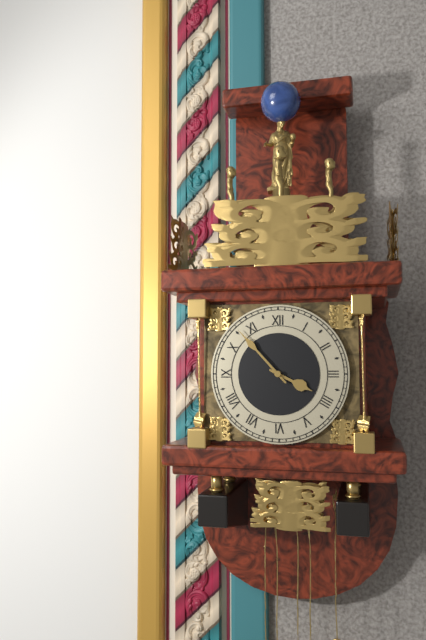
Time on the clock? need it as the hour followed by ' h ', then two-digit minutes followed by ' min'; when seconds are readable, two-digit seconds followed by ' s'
3 h 53 min
